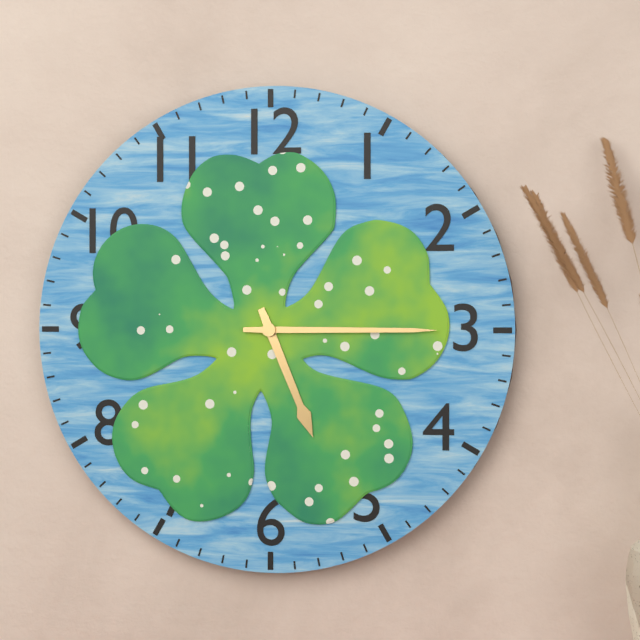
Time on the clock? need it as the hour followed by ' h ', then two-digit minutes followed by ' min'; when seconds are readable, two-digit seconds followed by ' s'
5 h 15 min
